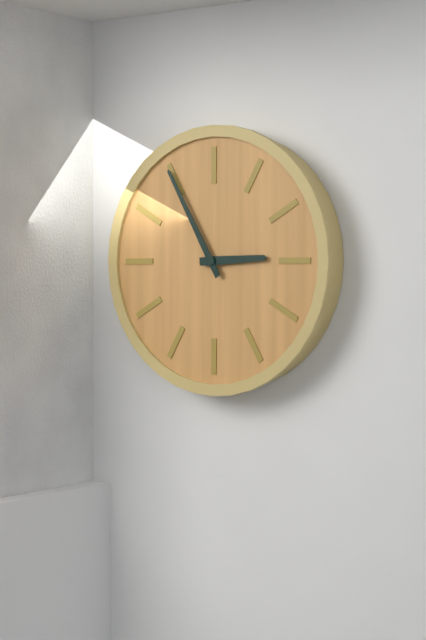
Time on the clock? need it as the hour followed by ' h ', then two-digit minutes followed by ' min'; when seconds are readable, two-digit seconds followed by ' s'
2 h 55 min
